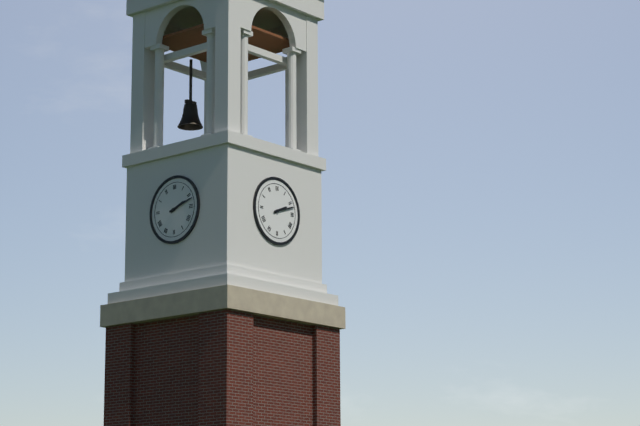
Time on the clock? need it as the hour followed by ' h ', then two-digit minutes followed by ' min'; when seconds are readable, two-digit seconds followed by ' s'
2 h 12 min
